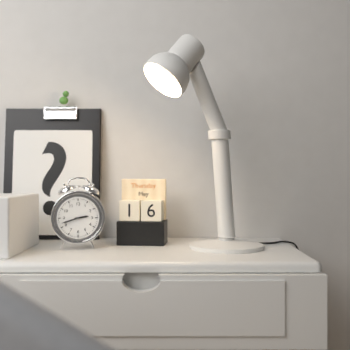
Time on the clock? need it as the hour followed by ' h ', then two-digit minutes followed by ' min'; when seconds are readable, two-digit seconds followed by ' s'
2 h 42 min
